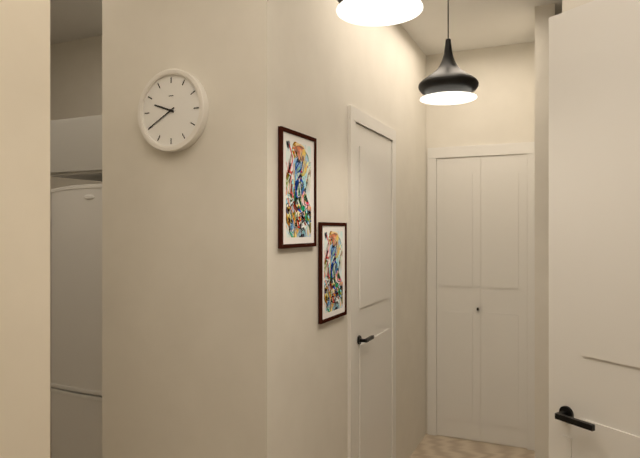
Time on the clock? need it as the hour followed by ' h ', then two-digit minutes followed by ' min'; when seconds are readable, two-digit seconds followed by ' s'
9 h 40 min
